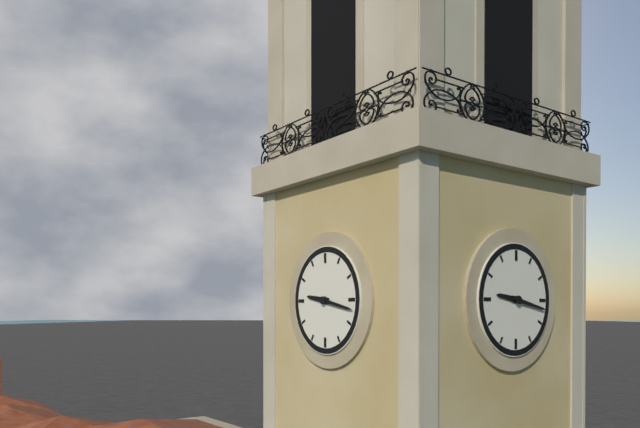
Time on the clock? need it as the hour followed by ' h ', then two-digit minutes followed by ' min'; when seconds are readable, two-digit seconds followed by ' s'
9 h 17 min
